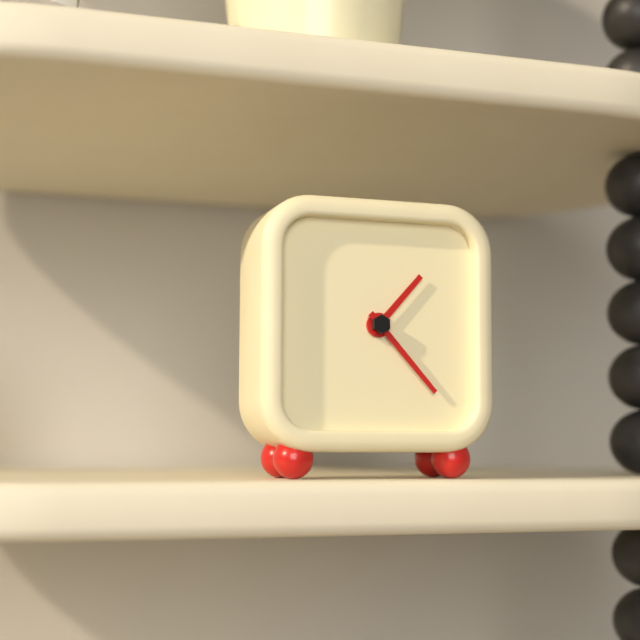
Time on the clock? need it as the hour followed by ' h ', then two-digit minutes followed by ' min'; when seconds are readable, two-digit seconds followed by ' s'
1 h 23 min
